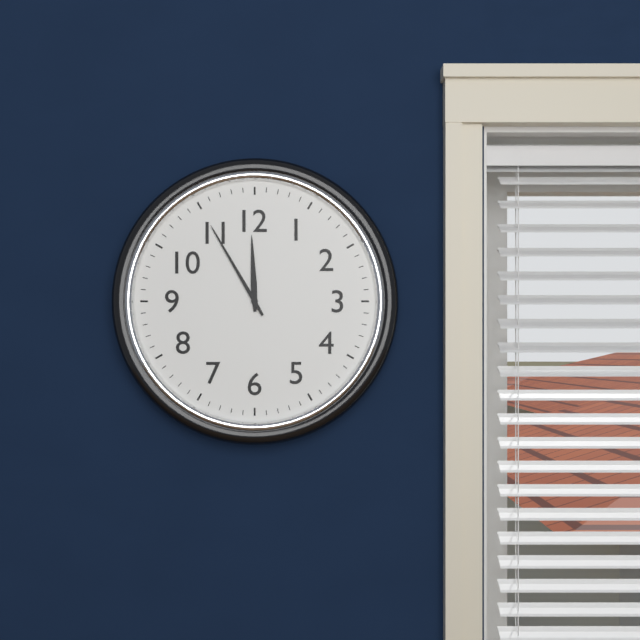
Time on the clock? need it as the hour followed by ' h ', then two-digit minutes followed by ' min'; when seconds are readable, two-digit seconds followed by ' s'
11 h 55 min
